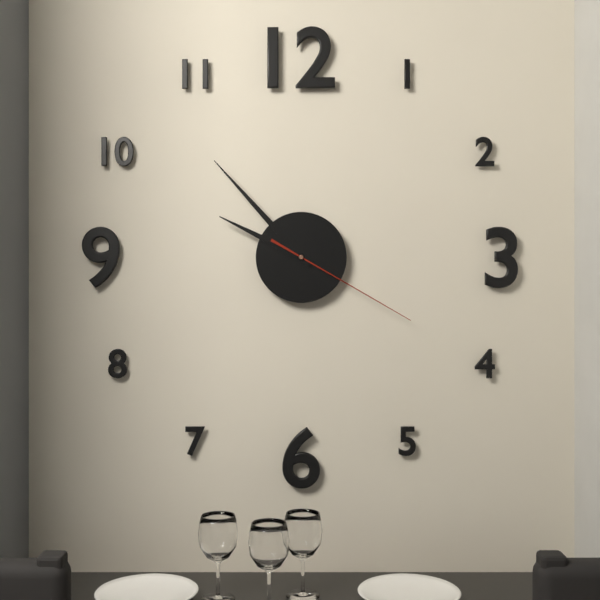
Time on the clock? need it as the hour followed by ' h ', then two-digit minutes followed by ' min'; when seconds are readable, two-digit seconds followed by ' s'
9 h 53 min 20 s
